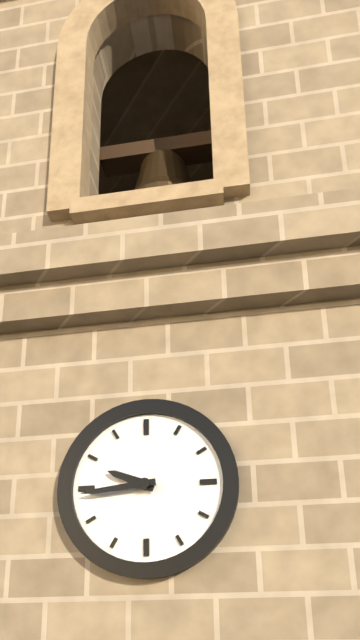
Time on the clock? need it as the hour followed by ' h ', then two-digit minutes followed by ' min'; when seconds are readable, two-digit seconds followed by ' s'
9 h 44 min
